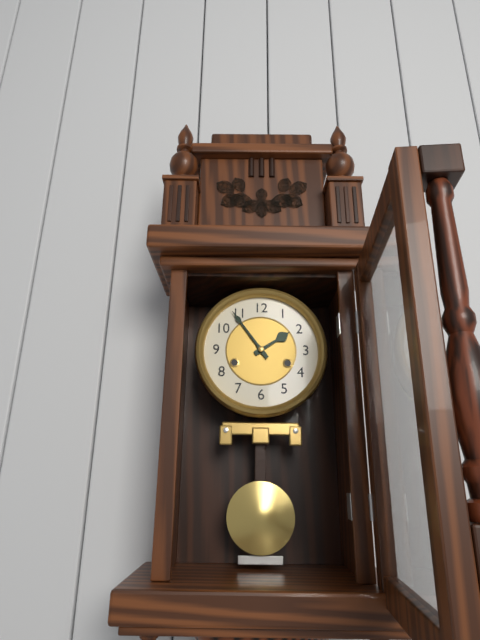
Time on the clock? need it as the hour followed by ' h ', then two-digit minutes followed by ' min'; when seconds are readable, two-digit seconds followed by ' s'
1 h 54 min
